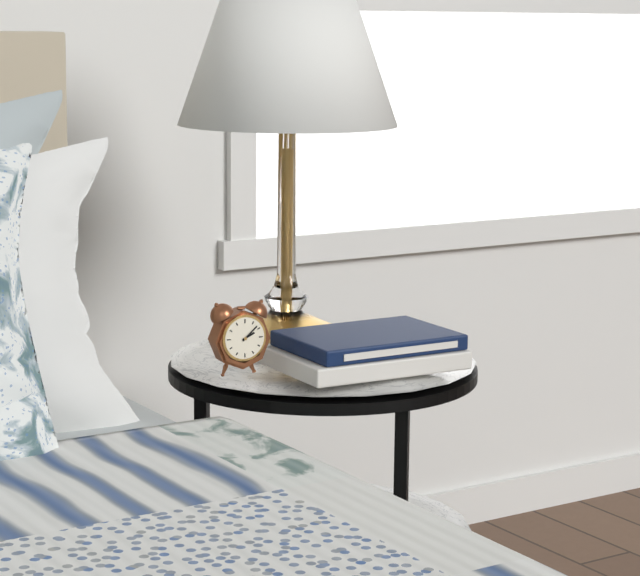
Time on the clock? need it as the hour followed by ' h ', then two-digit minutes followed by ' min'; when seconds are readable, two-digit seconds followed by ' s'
2 h 08 min
